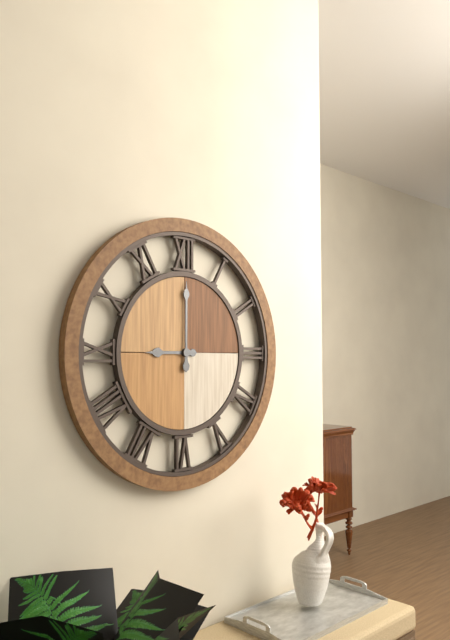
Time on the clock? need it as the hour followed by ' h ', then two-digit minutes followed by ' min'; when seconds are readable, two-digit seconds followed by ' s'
9 h 00 min
